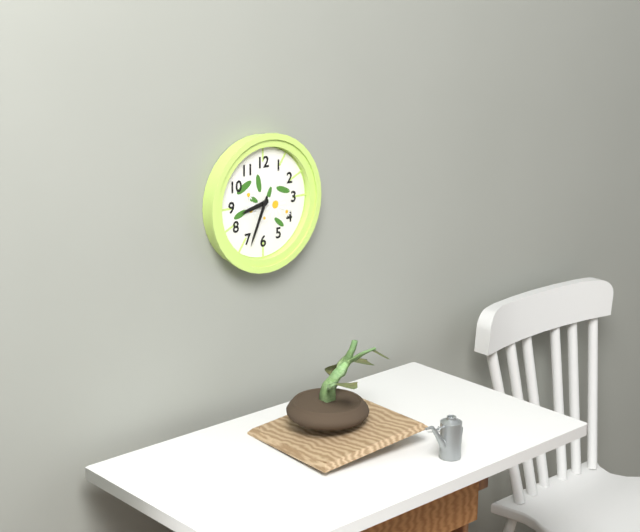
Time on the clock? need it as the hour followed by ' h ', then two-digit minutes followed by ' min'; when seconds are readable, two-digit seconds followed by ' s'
8 h 34 min
